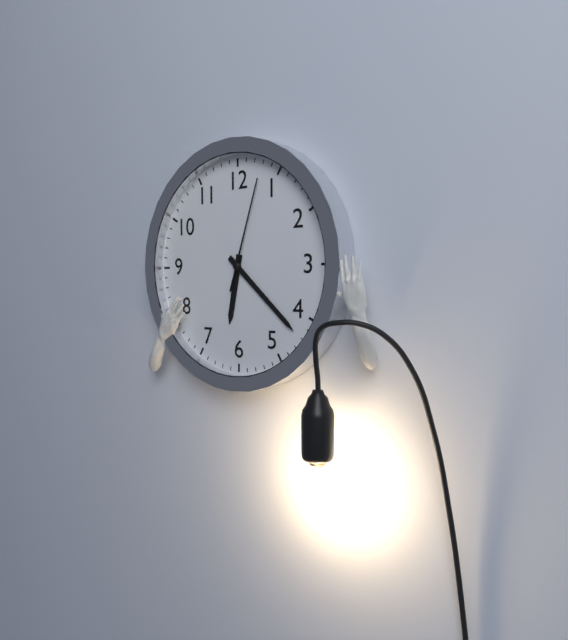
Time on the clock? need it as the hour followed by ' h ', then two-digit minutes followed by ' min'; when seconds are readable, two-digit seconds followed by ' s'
6 h 22 min 03 s
